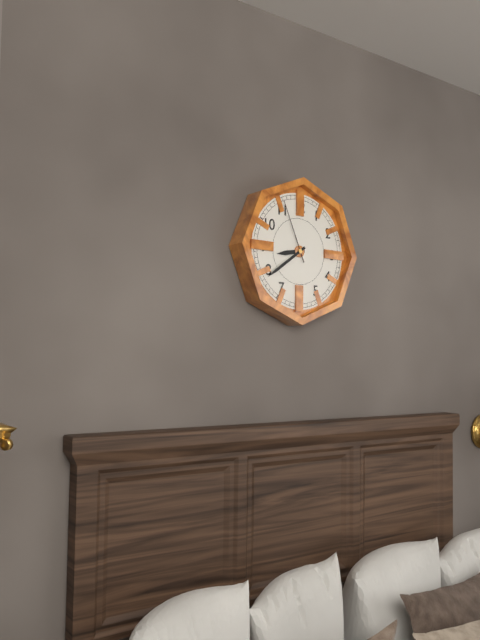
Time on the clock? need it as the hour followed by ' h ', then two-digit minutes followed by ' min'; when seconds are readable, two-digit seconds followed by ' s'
8 h 39 min 56 s
